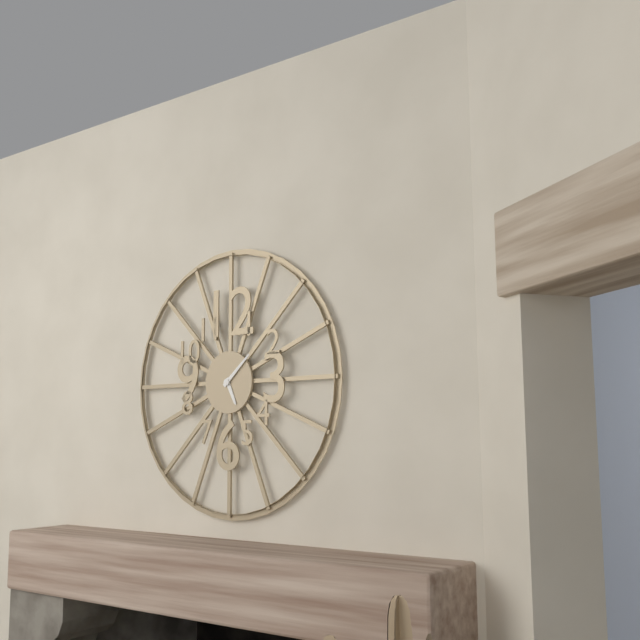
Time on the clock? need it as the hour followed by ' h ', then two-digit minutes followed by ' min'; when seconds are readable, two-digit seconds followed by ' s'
5 h 08 min
